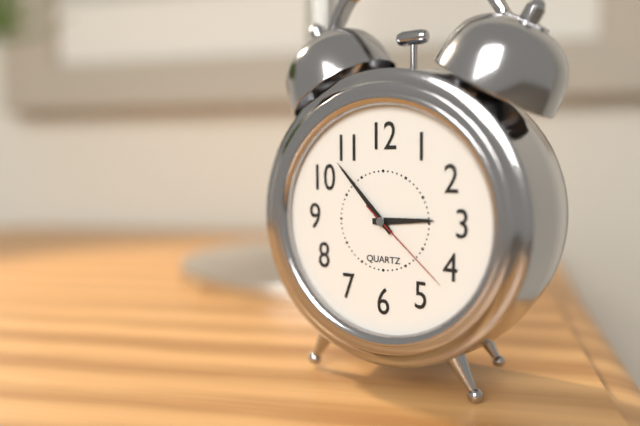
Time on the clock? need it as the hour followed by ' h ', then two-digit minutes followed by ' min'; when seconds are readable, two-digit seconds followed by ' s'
2 h 53 min 22 s
